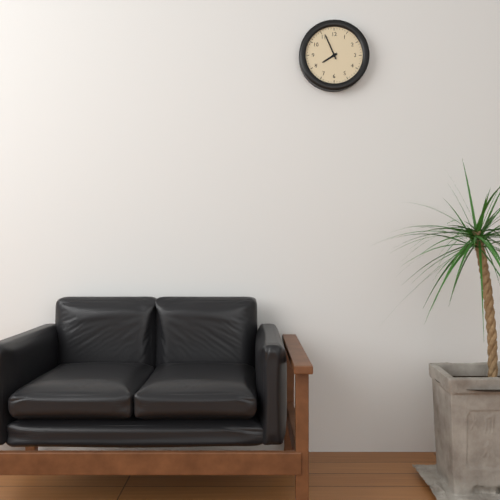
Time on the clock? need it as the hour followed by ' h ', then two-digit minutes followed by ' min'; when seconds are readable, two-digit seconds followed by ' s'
7 h 56 min
